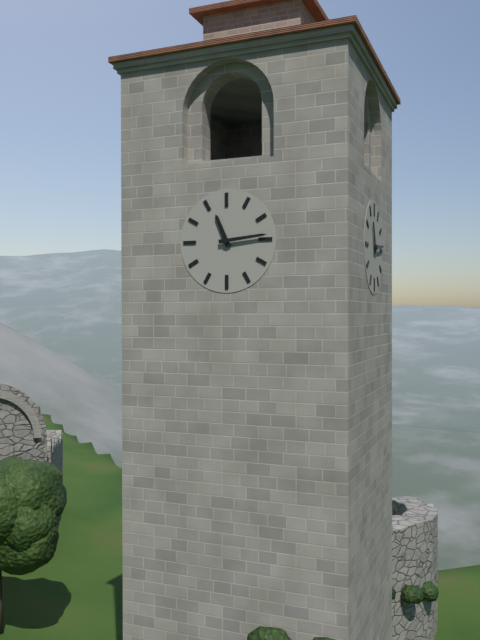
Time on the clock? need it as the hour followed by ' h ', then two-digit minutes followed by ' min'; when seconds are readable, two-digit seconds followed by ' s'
11 h 14 min
